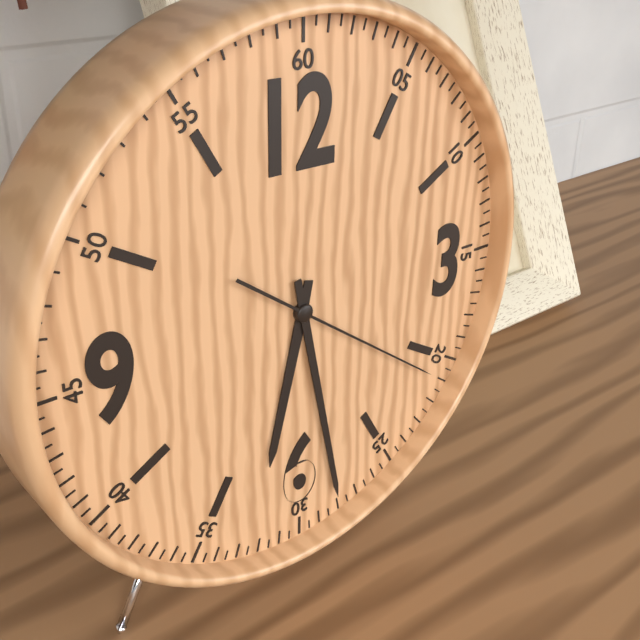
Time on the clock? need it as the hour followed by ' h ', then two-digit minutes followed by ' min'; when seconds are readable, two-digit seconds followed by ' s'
6 h 28 min 21 s
